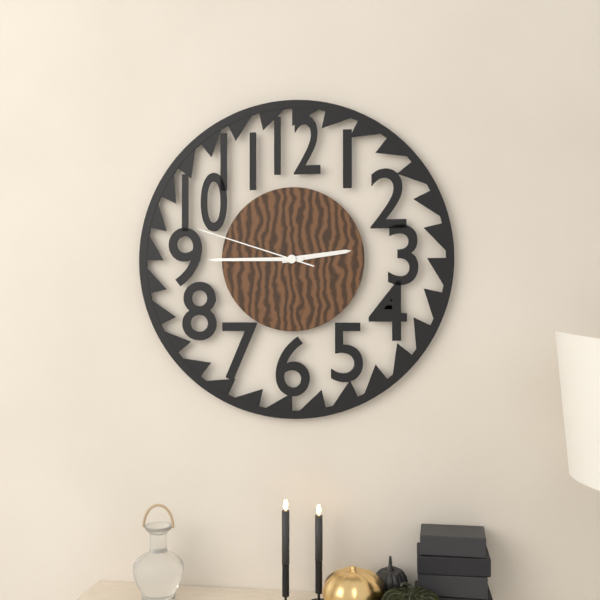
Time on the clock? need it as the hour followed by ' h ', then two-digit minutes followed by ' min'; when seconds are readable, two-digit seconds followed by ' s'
2 h 45 min 48 s
